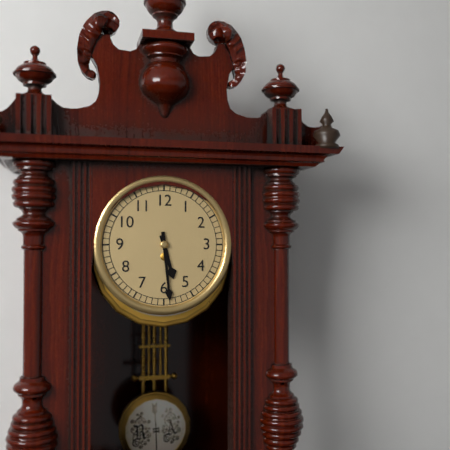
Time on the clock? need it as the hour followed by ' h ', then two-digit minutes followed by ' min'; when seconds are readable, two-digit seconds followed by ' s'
5 h 29 min
